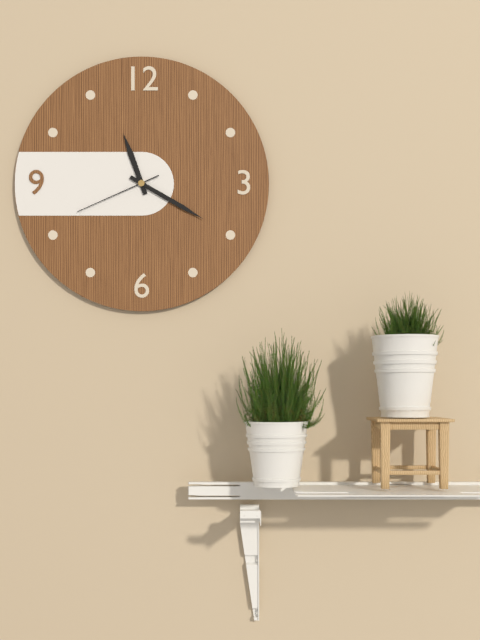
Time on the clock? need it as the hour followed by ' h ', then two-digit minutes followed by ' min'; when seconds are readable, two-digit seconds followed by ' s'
11 h 20 min 41 s
